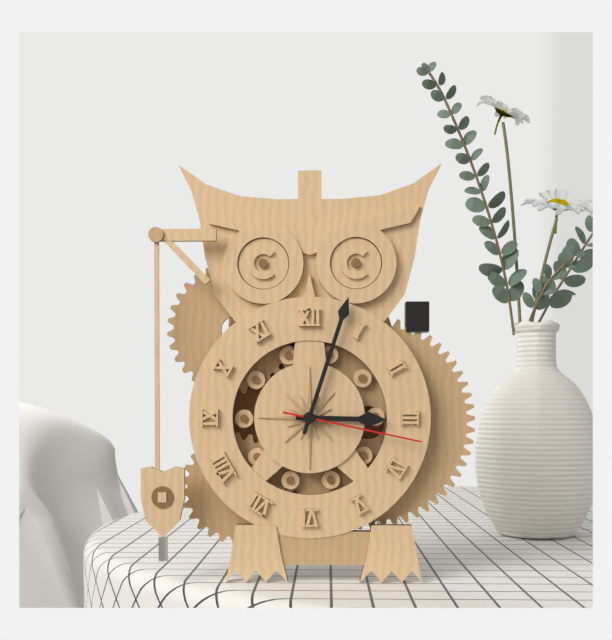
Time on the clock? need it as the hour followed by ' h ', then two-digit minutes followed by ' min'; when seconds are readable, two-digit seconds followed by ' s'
3 h 03 min 17 s
